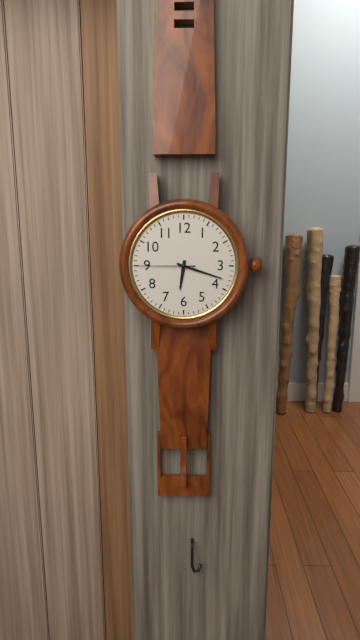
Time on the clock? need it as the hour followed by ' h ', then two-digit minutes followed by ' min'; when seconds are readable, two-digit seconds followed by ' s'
6 h 18 min 45 s
